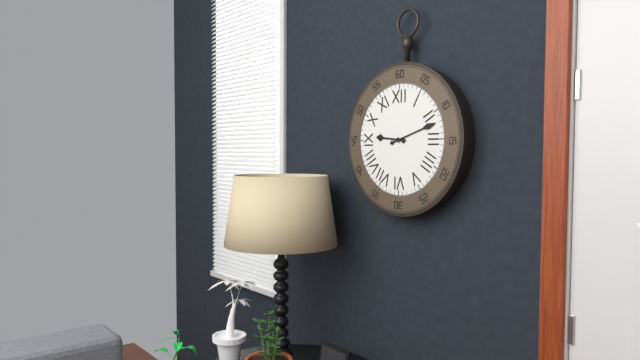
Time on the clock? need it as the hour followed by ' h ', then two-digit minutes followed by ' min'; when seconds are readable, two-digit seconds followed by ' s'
9 h 12 min
